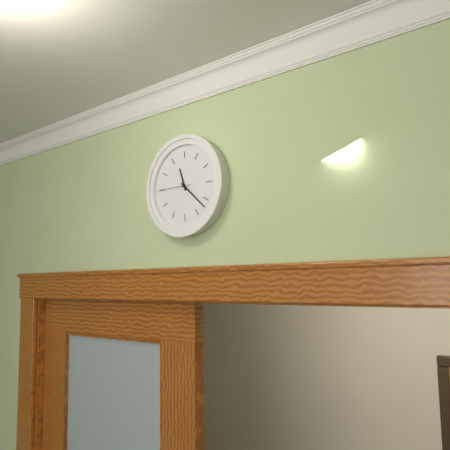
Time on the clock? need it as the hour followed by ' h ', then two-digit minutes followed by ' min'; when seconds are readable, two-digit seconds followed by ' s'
11 h 22 min
